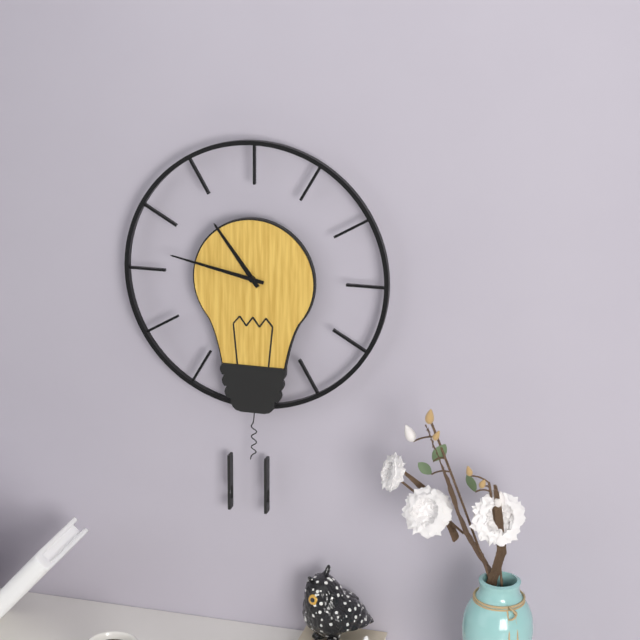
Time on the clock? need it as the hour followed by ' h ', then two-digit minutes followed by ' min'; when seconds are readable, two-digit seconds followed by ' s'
10 h 47 min
